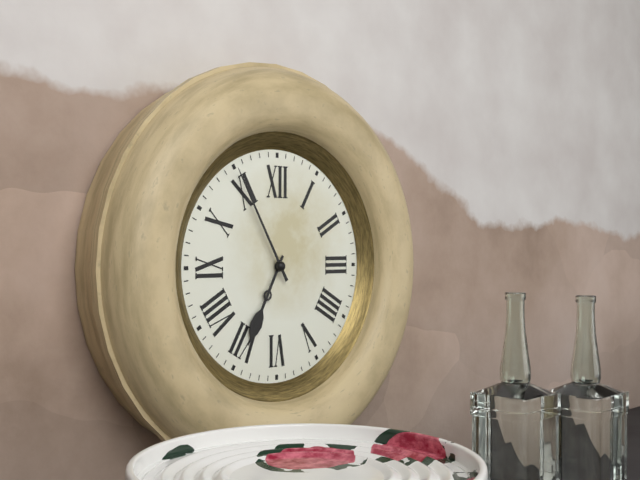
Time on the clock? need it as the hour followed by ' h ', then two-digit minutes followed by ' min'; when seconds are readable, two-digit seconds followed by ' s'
6 h 55 min
